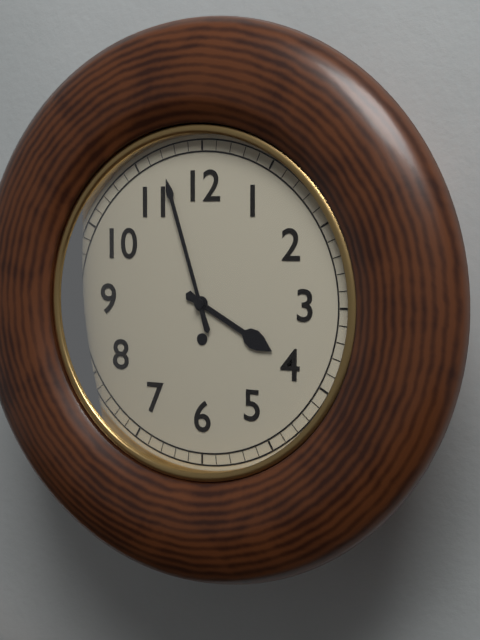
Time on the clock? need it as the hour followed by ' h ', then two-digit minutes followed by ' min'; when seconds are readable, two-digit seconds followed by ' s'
3 h 57 min
